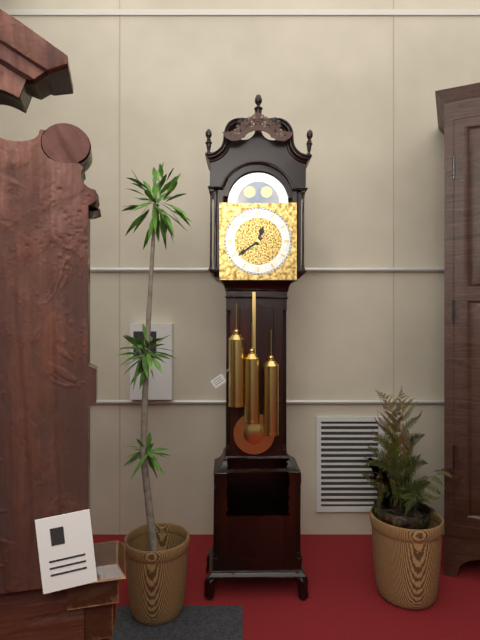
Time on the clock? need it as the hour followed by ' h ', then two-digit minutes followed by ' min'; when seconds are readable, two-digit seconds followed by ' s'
12 h 39 min
